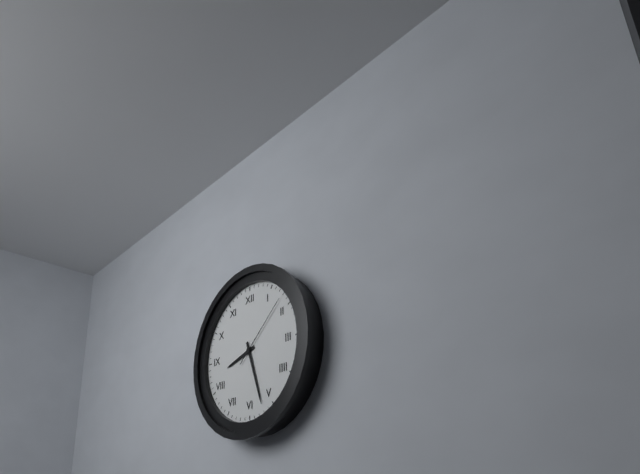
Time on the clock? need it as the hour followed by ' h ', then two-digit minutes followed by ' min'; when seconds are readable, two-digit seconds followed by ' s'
8 h 27 min 08 s
